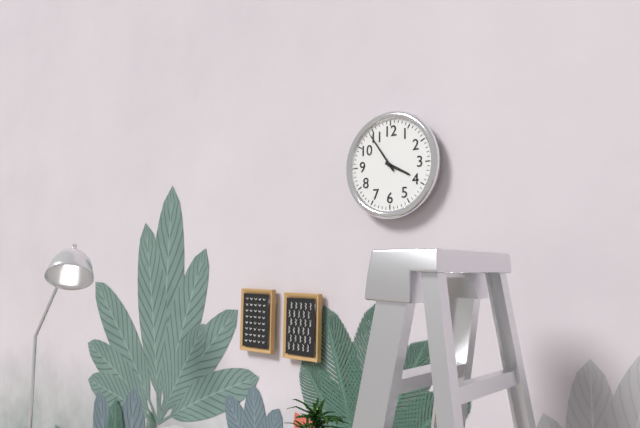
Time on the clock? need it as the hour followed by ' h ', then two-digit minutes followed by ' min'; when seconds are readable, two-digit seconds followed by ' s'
3 h 54 min
